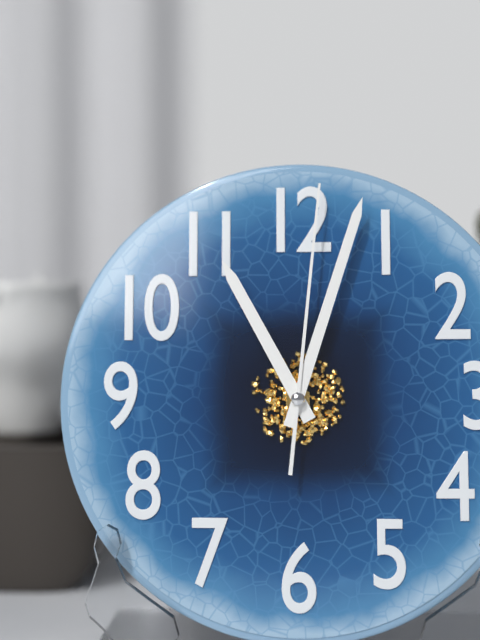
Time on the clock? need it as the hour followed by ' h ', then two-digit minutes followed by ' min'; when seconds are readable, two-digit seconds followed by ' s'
11 h 03 min 01 s
